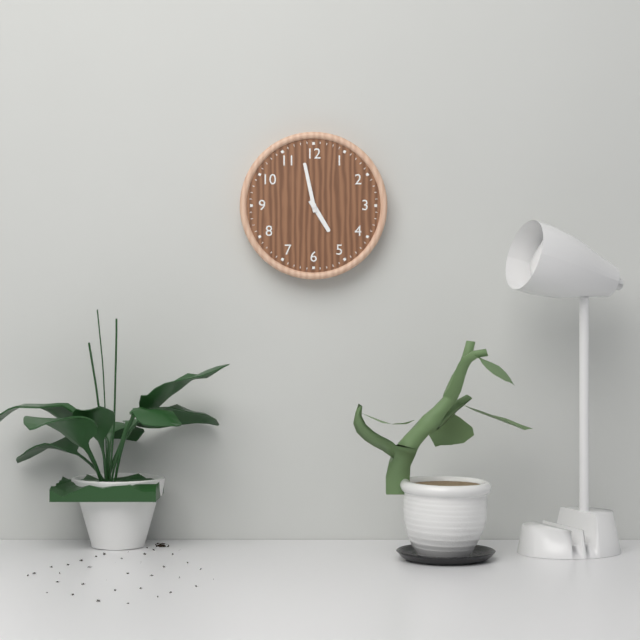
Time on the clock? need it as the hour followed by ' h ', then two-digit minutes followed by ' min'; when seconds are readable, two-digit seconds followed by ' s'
4 h 58 min
